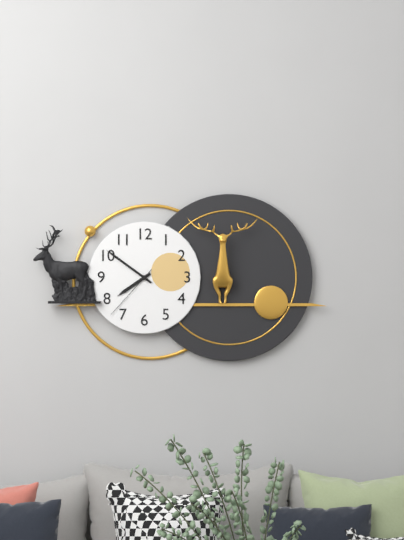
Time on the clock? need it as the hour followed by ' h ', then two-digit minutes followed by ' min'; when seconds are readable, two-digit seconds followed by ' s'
7 h 51 min 37 s
